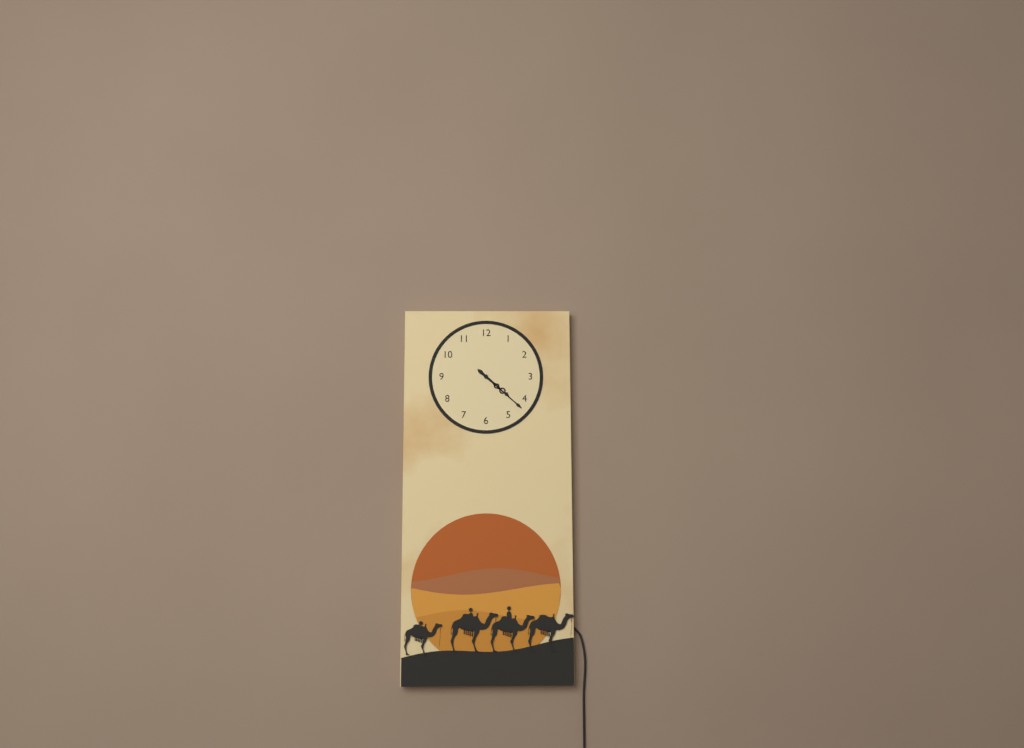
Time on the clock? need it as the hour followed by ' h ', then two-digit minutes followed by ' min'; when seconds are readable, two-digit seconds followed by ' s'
4 h 22 min
